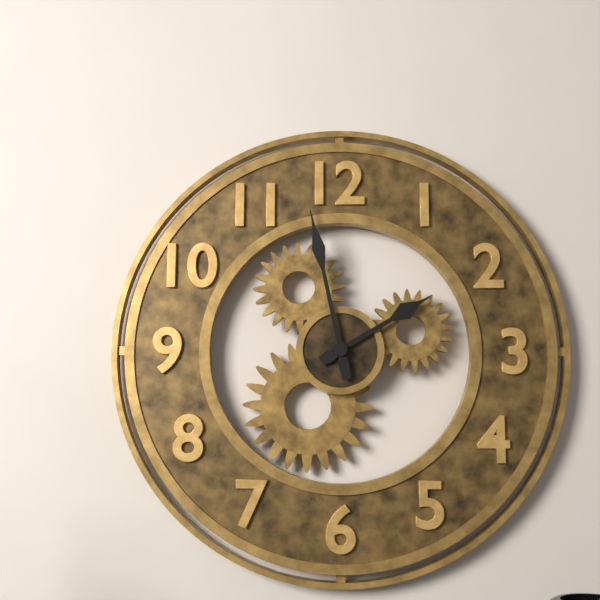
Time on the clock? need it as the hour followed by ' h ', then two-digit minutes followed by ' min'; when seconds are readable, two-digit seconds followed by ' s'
1 h 58 min
